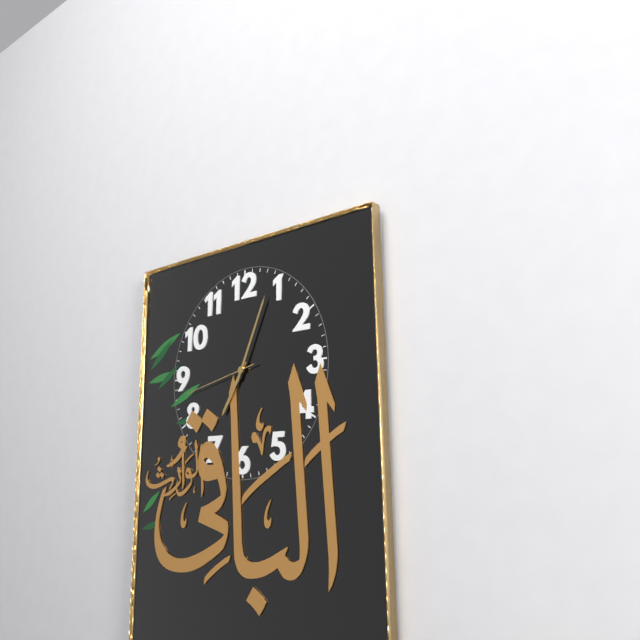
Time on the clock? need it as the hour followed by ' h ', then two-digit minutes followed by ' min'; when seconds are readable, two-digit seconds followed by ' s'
7 h 04 min 43 s
